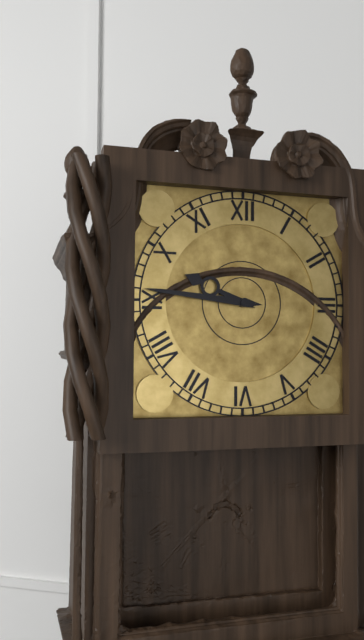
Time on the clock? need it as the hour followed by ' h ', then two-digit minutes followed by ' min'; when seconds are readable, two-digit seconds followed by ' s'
9 h 46 min
